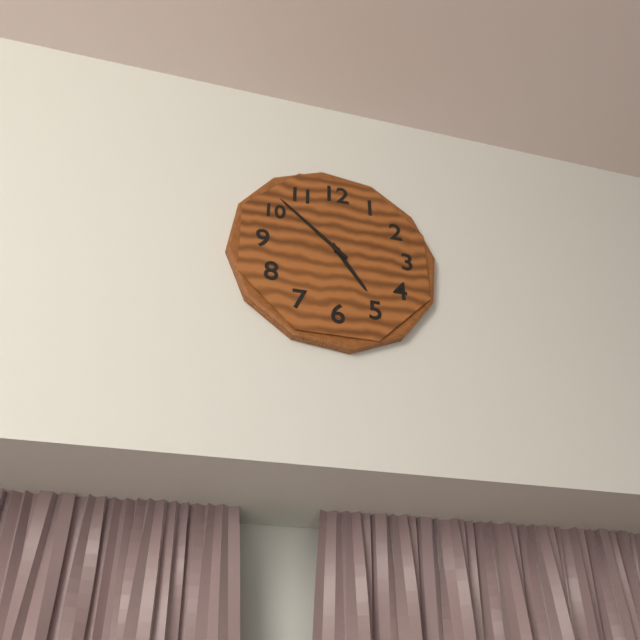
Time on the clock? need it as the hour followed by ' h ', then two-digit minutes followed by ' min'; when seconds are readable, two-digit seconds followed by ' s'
4 h 52 min
